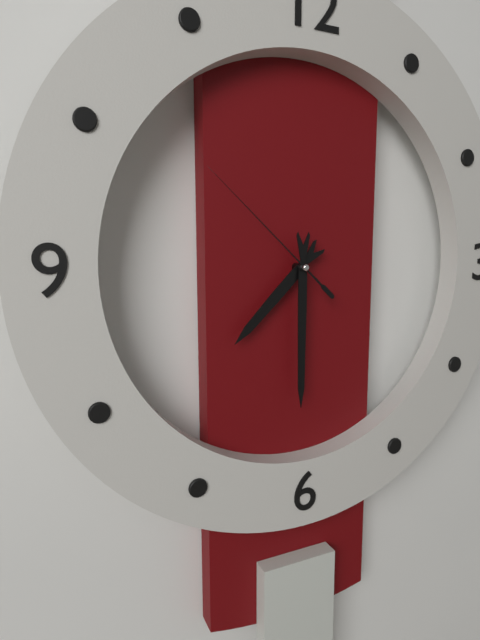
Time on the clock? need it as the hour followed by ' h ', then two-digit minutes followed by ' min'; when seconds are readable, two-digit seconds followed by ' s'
7 h 30 min 52 s
